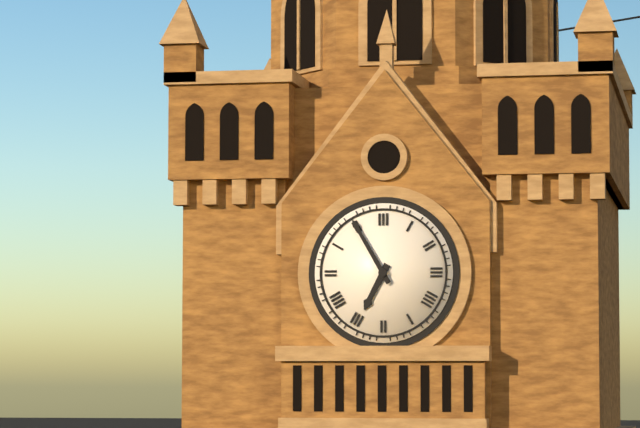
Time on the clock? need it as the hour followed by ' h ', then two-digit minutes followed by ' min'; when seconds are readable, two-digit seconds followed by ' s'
6 h 55 min
